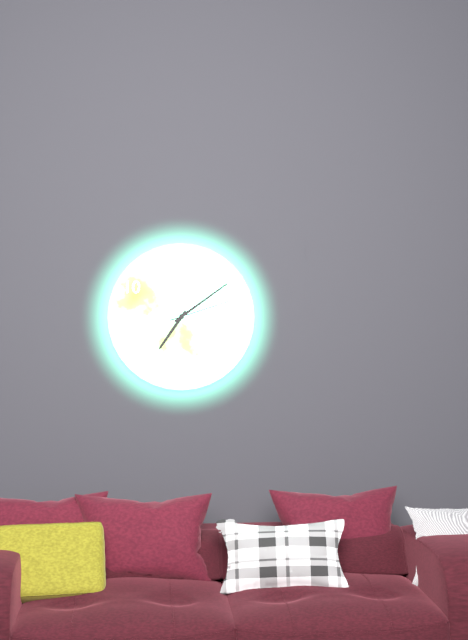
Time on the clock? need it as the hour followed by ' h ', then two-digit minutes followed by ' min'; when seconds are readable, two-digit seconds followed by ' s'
7 h 09 min 12 s
